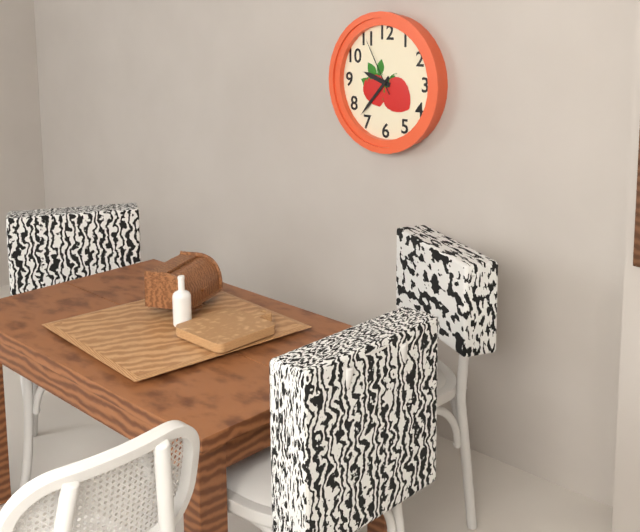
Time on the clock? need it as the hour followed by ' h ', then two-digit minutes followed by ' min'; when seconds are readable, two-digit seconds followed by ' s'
9 h 37 min 55 s
